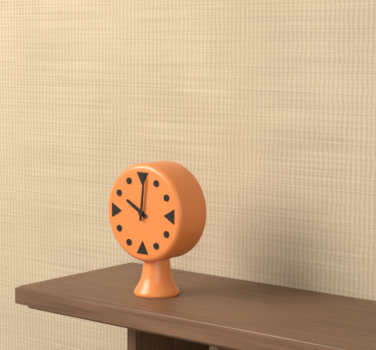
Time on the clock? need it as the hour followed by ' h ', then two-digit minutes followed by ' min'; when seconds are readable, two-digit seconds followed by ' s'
10 h 01 min
